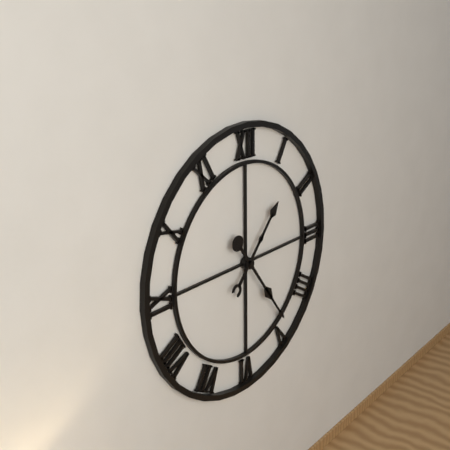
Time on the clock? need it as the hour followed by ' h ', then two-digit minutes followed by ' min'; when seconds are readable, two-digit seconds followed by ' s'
1 h 24 min
